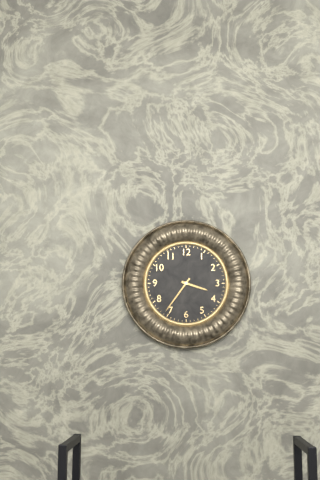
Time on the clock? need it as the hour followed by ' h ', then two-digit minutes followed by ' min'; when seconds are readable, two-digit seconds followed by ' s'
3 h 36 min
